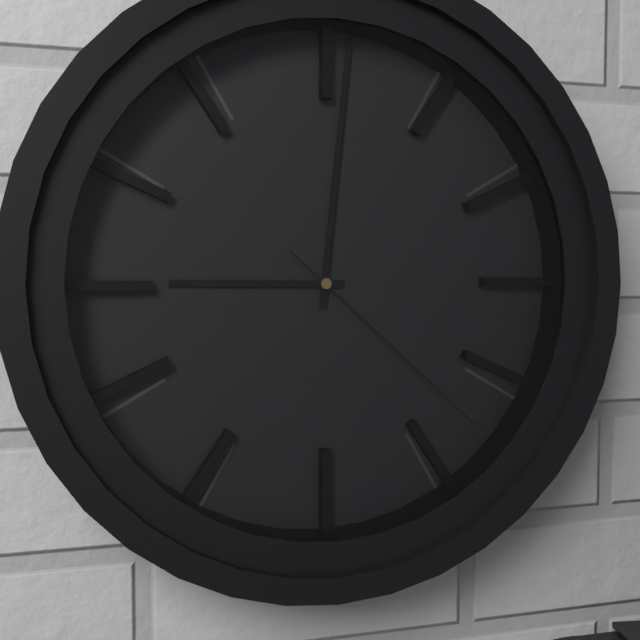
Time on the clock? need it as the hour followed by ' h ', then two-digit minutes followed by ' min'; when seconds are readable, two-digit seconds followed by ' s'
9 h 01 min 22 s
